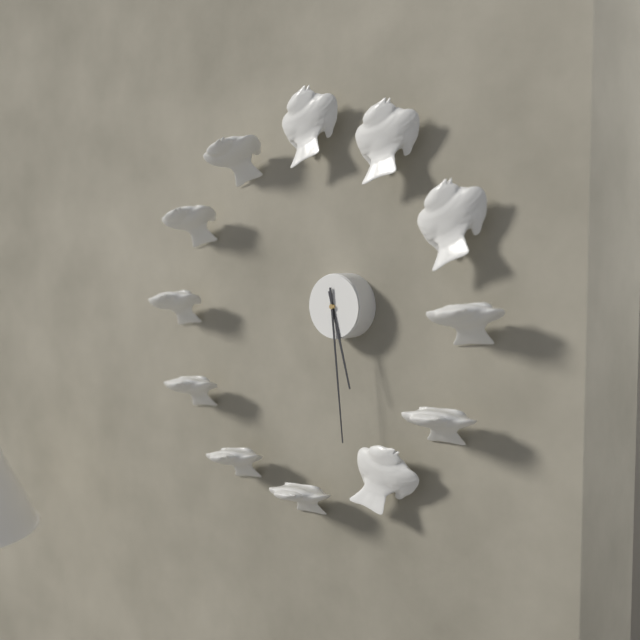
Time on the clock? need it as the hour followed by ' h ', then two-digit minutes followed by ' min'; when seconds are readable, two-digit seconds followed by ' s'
5 h 29 min
